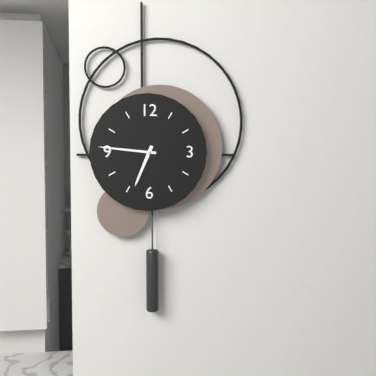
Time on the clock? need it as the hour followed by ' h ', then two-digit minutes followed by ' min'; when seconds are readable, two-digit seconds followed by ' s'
6 h 46 min
